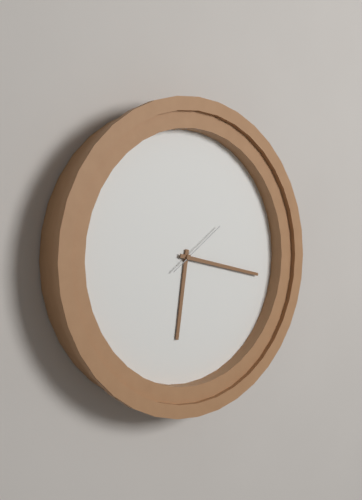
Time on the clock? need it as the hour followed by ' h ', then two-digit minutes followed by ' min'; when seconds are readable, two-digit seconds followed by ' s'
6 h 17 min 09 s
